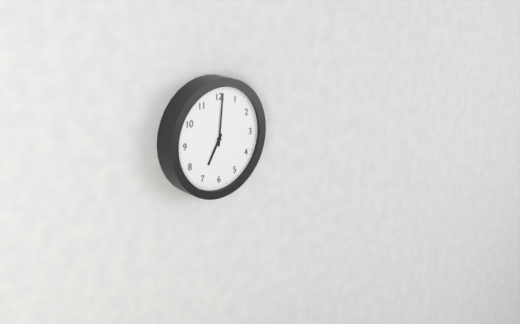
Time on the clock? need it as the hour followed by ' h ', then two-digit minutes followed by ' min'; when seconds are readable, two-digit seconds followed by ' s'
7 h 01 min
